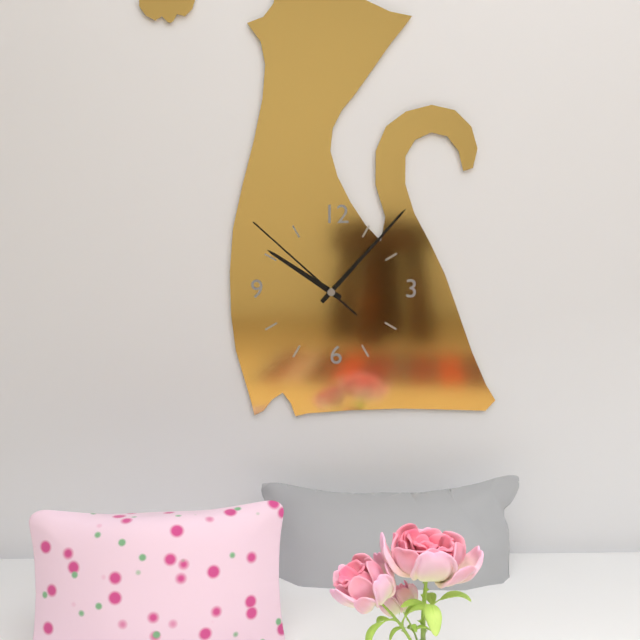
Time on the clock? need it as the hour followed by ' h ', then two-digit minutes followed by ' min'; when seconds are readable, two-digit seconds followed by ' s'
10 h 07 min 52 s
